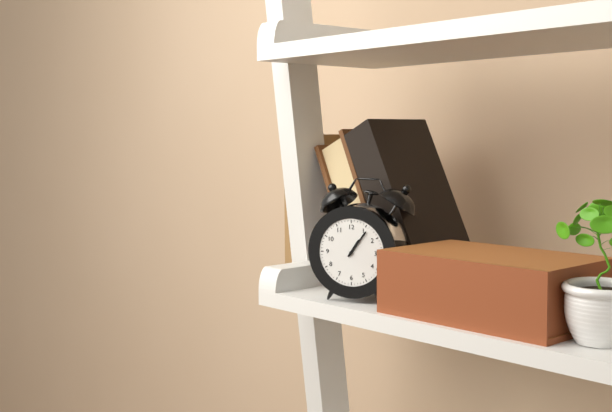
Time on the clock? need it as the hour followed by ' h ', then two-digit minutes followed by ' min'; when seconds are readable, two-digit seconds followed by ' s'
1 h 06 min
